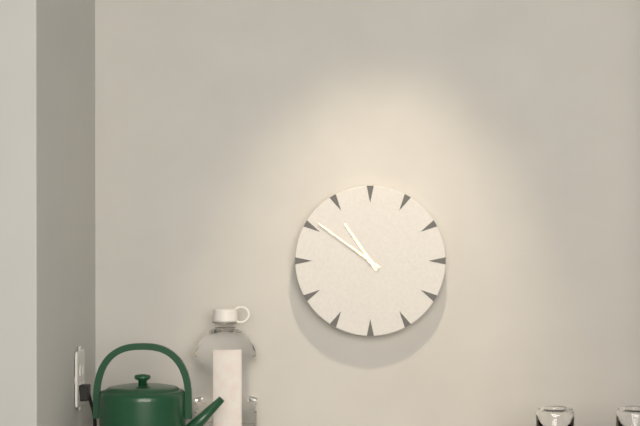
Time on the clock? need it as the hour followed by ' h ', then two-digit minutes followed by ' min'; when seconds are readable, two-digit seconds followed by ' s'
10 h 51 min
